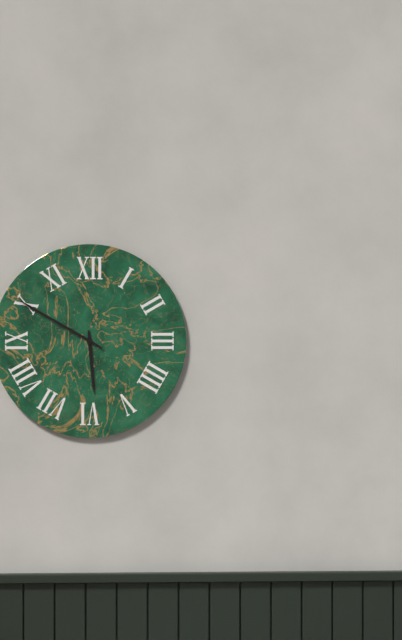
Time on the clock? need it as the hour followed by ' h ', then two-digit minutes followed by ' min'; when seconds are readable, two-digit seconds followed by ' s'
5 h 50 min
